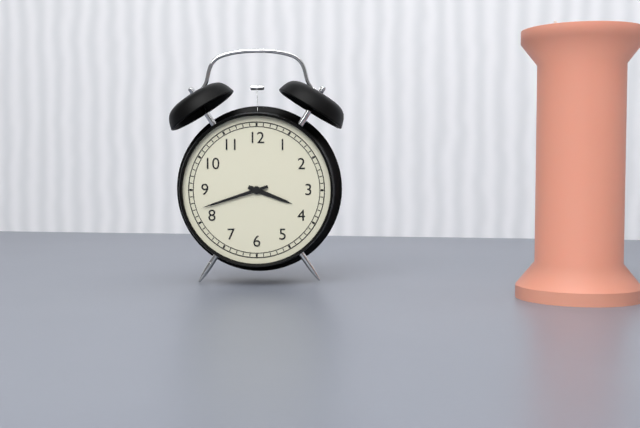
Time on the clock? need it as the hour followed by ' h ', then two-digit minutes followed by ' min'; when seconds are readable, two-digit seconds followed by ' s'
3 h 42 min
